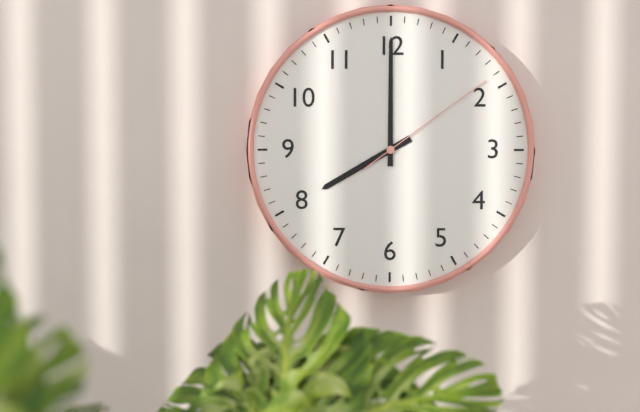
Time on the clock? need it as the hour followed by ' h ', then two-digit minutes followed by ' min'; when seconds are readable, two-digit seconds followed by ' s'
8 h 00 min 09 s
